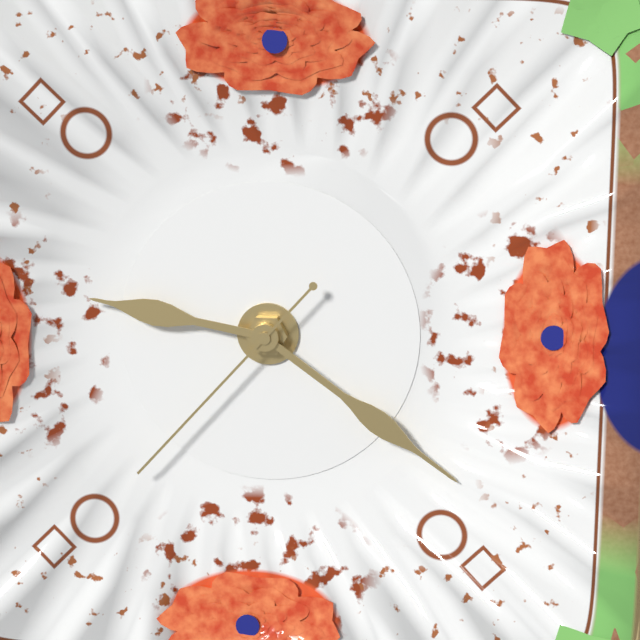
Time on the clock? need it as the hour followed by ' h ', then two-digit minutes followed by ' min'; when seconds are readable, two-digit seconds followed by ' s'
9 h 21 min 37 s
